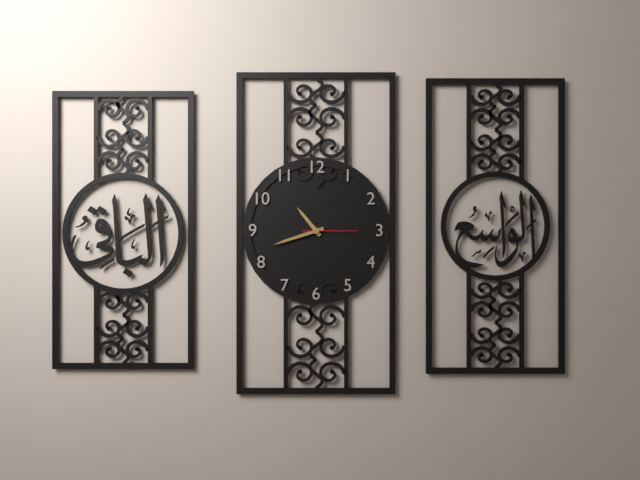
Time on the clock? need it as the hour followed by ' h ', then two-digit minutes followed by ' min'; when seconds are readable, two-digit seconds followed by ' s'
10 h 42 min 15 s
